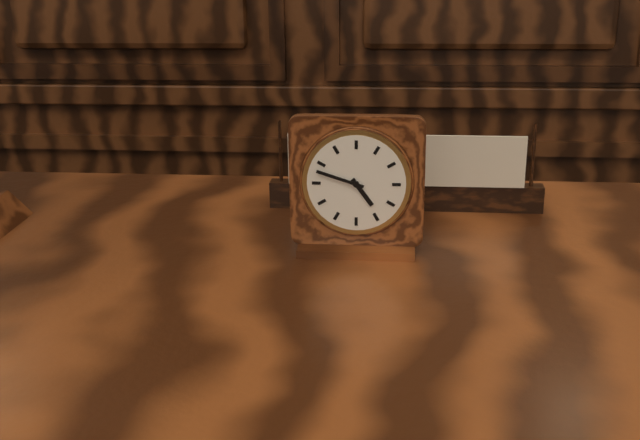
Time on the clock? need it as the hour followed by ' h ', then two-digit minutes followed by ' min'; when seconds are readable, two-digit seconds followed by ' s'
4 h 48 min
